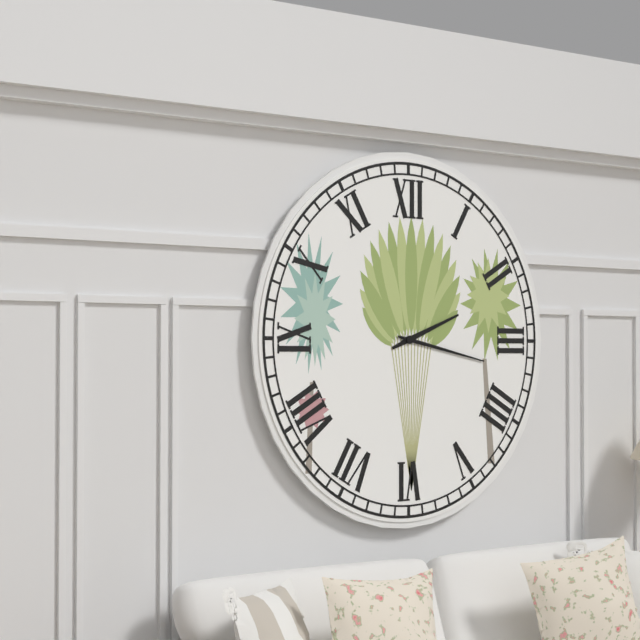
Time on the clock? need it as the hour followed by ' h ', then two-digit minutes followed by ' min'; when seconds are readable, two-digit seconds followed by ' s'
2 h 17 min
